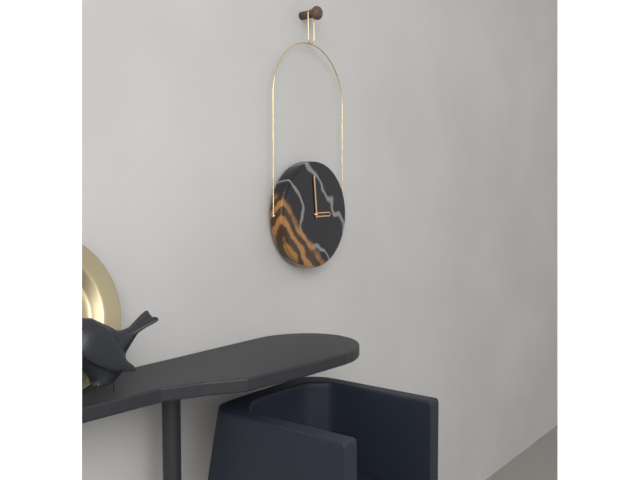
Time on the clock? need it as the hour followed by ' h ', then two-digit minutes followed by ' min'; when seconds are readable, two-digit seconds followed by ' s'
2 h 59 min
